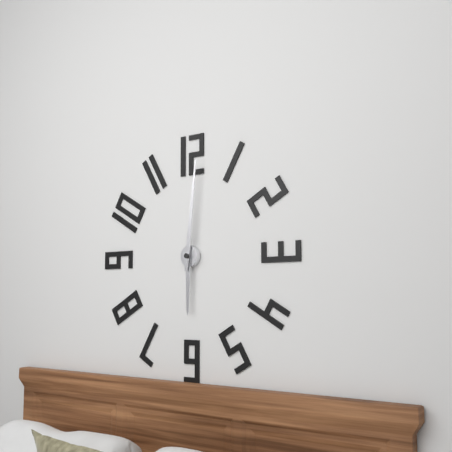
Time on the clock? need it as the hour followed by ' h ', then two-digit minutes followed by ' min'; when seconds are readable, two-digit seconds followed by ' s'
6 h 01 min
